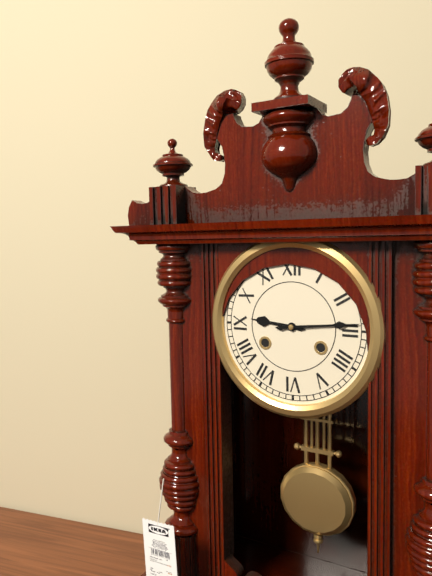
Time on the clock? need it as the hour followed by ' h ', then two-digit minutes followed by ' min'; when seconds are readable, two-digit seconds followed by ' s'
9 h 14 min
